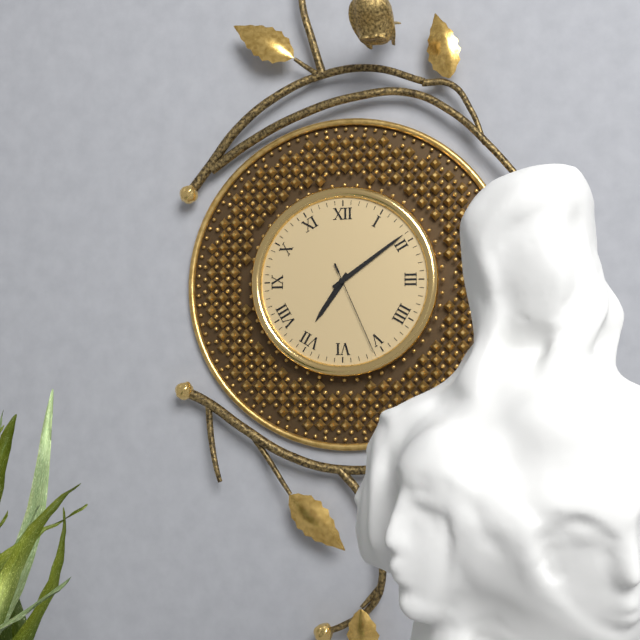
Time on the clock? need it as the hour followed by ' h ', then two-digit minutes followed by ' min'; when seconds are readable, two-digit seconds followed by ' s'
7 h 09 min 26 s
